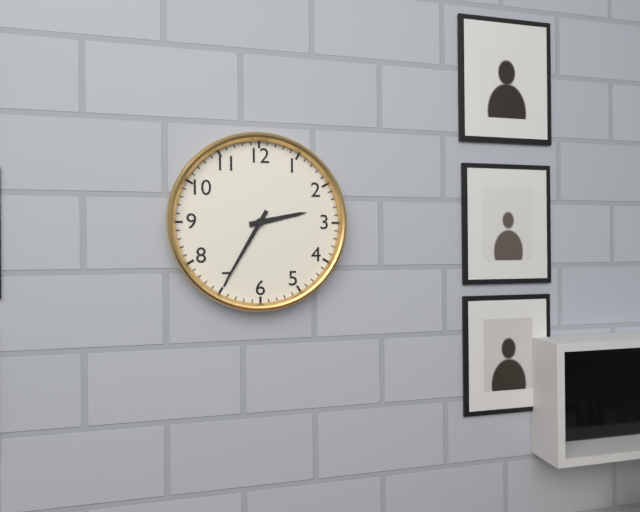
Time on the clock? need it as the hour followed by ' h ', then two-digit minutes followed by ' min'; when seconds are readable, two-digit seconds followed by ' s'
2 h 35 min
